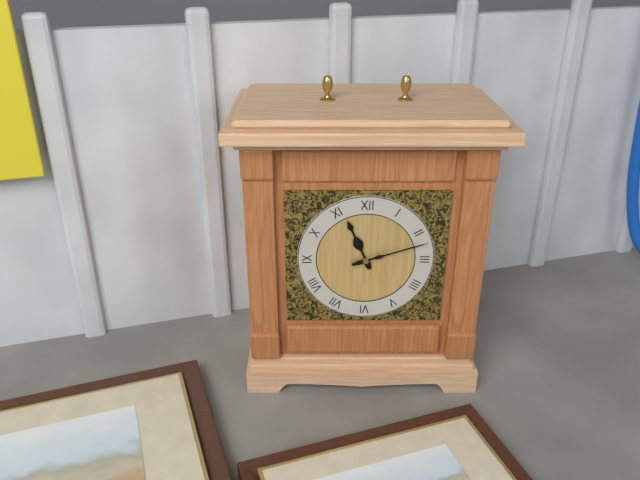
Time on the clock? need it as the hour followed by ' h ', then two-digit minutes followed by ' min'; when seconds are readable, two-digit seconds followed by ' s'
11 h 12 min
